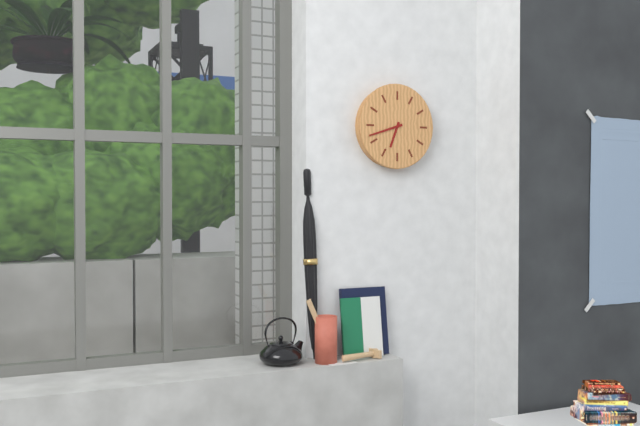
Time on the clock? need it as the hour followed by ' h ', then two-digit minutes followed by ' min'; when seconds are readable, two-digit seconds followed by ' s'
6 h 42 min
